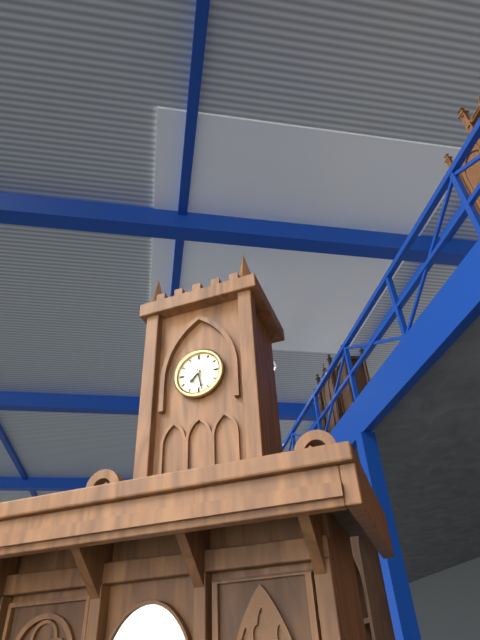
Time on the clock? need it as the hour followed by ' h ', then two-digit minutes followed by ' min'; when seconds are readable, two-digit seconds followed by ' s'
7 h 28 min
